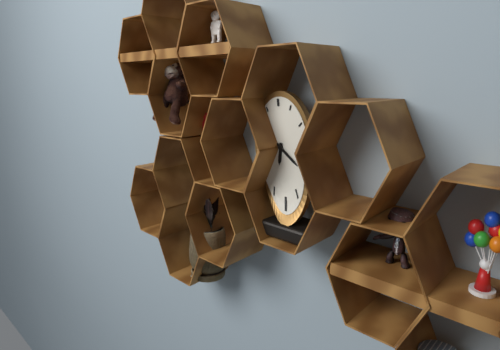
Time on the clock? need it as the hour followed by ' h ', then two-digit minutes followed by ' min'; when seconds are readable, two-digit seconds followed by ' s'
6 h 22 min
